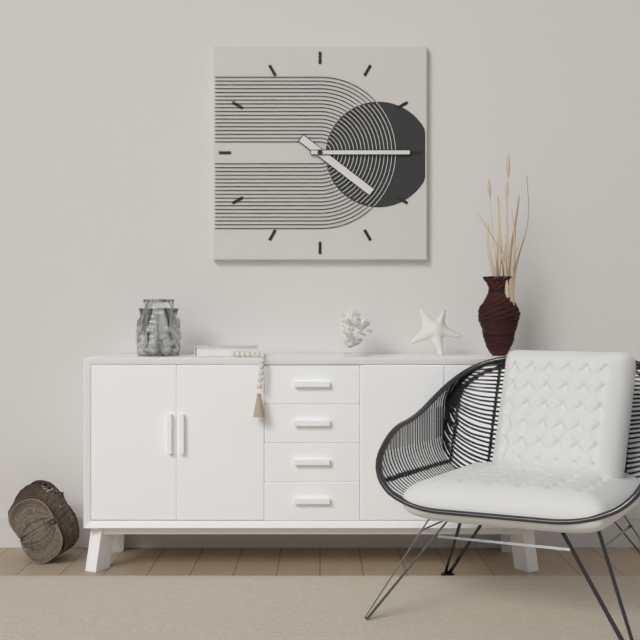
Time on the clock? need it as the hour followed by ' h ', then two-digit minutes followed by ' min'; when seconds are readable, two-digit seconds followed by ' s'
4 h 15 min
